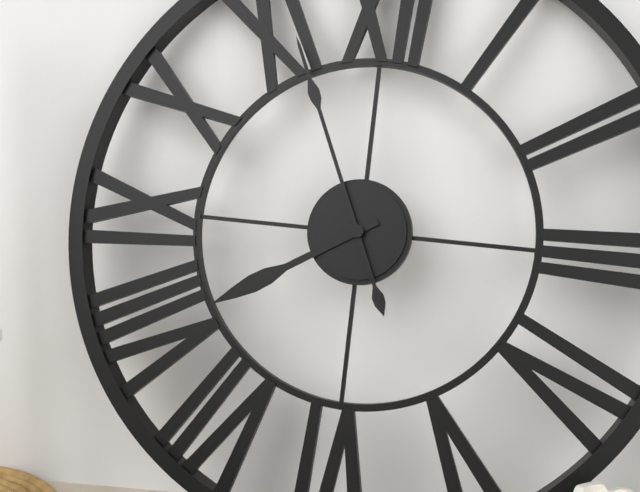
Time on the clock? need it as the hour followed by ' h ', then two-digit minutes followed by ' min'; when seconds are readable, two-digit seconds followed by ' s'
7 h 56 min
